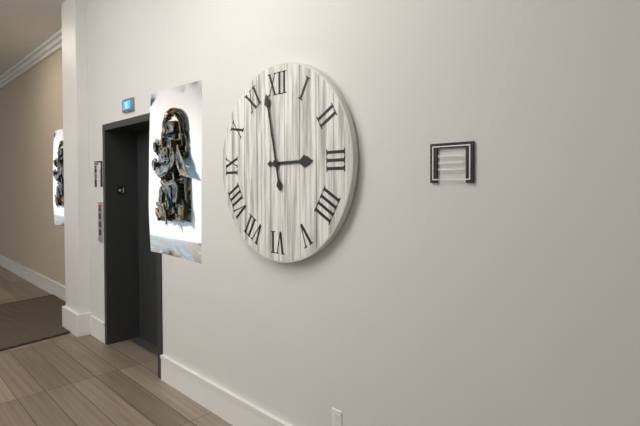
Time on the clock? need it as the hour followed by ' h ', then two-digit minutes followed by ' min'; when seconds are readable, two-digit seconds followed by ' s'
2 h 58 min
